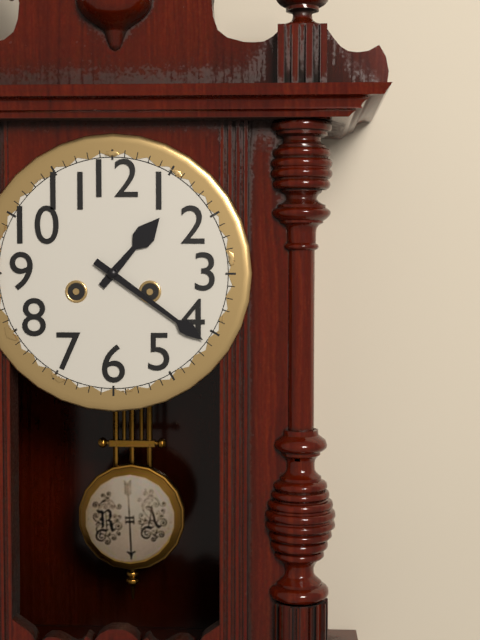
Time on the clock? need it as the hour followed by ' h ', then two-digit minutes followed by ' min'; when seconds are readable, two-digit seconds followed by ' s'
1 h 21 min
